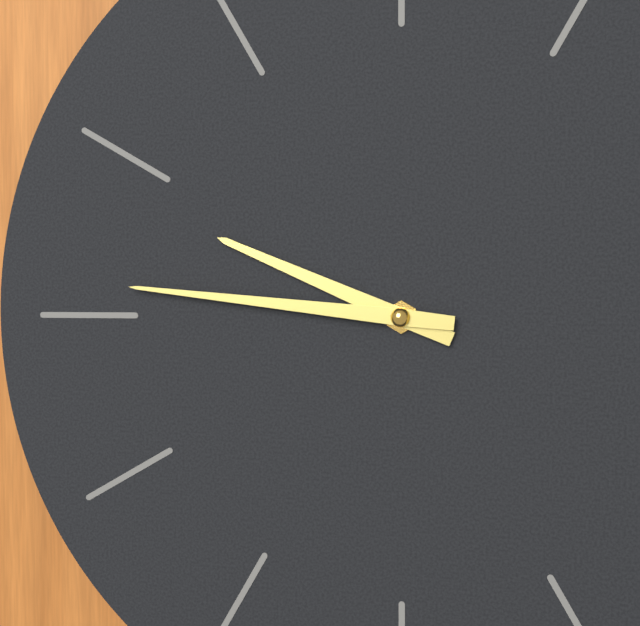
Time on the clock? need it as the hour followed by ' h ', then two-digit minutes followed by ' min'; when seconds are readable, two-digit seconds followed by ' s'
9 h 46 min
